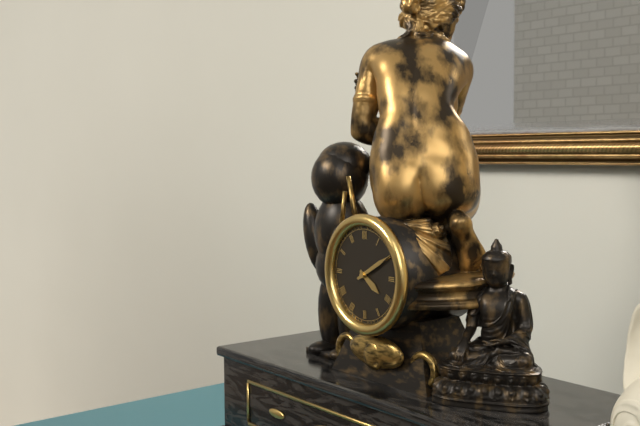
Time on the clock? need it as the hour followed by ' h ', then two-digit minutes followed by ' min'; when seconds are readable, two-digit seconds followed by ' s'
4 h 10 min
